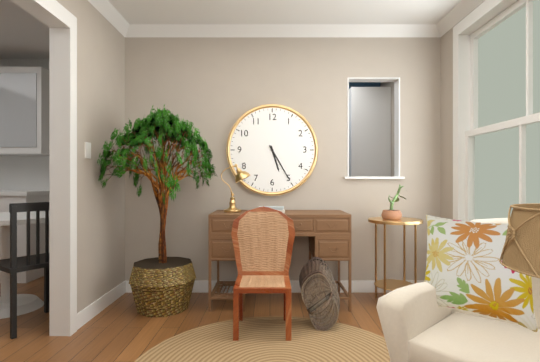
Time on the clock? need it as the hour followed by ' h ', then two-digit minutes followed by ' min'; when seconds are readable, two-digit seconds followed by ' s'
5 h 25 min
